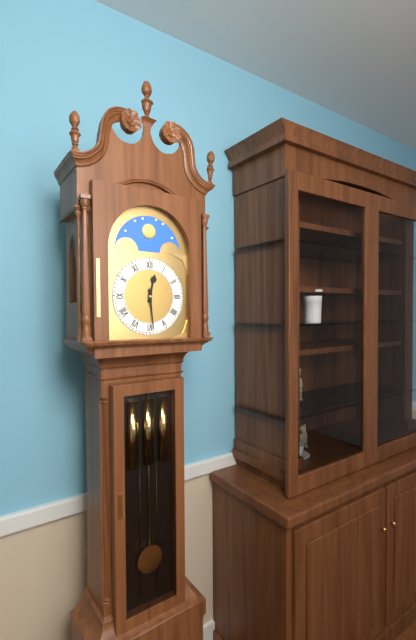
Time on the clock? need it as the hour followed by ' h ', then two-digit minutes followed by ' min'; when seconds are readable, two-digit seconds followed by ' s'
12 h 29 min
